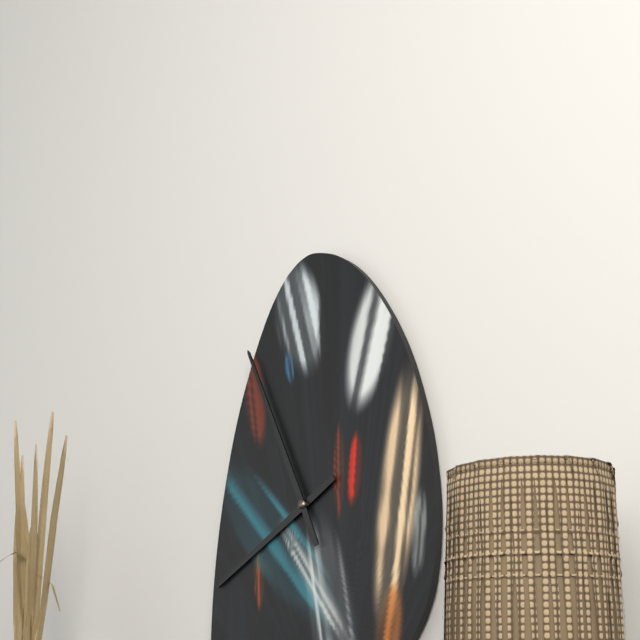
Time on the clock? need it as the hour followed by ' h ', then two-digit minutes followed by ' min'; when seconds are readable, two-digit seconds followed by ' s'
7 h 56 min
